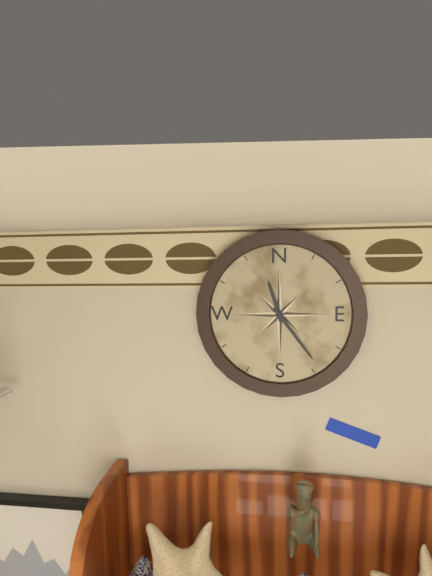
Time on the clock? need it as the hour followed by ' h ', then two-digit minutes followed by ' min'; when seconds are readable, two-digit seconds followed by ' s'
11 h 24 min
